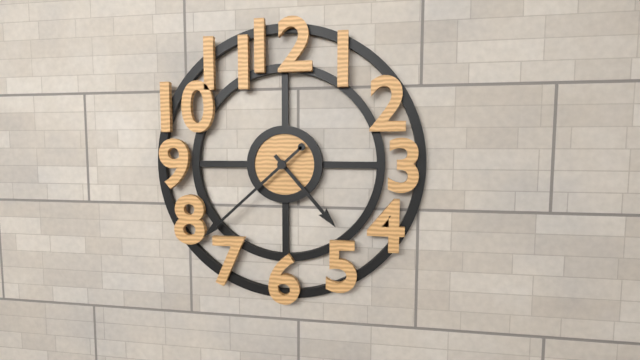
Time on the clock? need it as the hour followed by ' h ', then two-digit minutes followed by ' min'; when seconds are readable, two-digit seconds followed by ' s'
4 h 38 min
